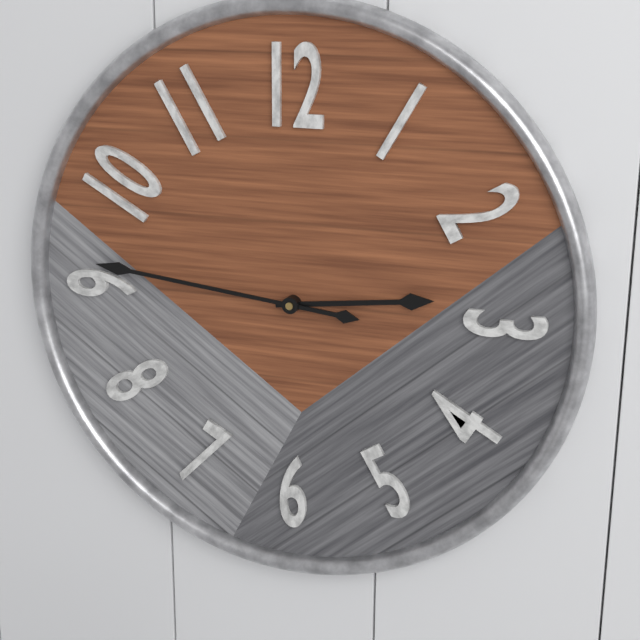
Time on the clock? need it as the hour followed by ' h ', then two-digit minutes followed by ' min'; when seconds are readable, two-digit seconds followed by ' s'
2 h 46 min
